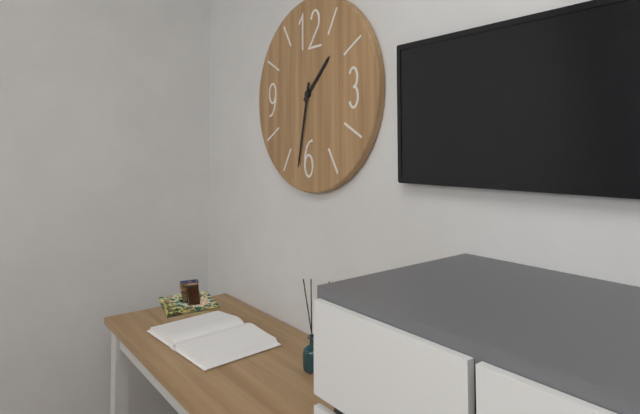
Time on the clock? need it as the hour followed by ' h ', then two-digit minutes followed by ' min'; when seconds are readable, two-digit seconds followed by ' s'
1 h 32 min
